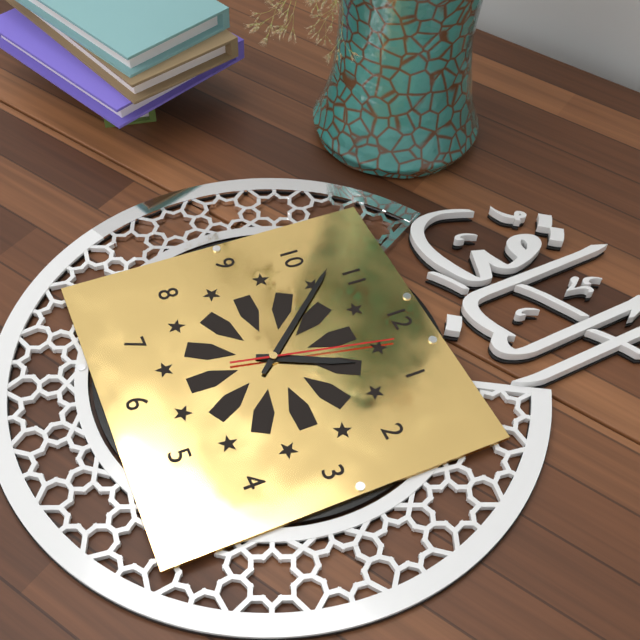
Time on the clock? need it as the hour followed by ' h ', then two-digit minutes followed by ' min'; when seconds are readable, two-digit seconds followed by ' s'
12 h 53 min 02 s
